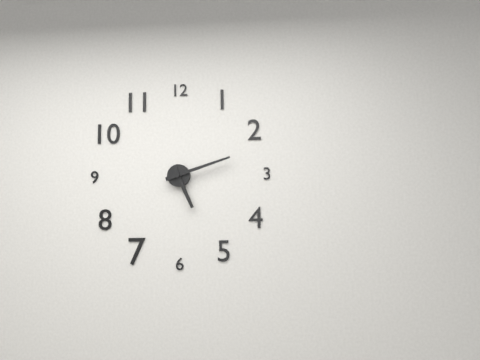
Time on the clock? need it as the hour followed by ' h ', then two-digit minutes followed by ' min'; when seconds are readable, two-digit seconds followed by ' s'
5 h 12 min
